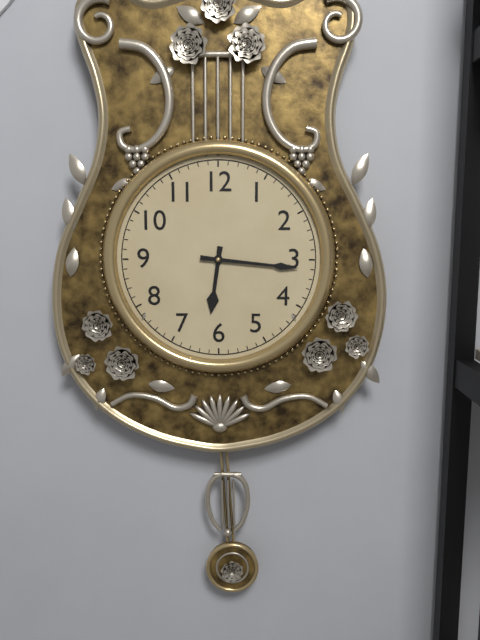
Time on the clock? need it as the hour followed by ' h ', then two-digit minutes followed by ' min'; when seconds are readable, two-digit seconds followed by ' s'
6 h 16 min
